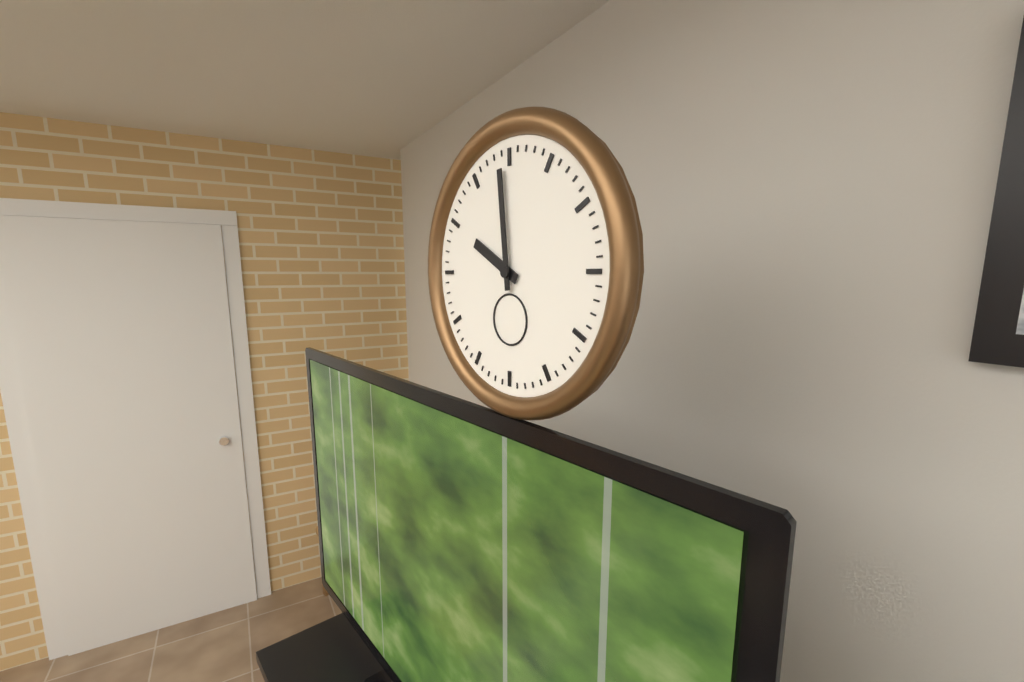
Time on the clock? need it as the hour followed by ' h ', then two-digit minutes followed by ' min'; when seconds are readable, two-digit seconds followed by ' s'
9 h 59 min
